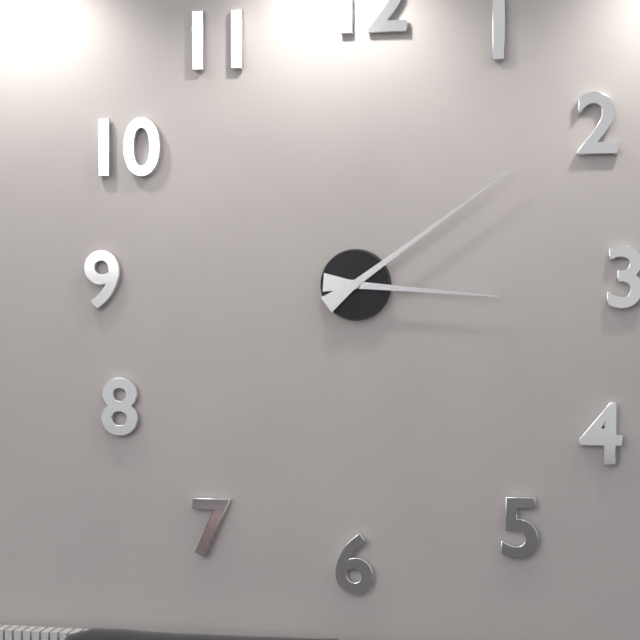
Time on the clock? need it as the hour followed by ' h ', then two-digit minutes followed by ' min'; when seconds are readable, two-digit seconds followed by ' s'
3 h 09 min
